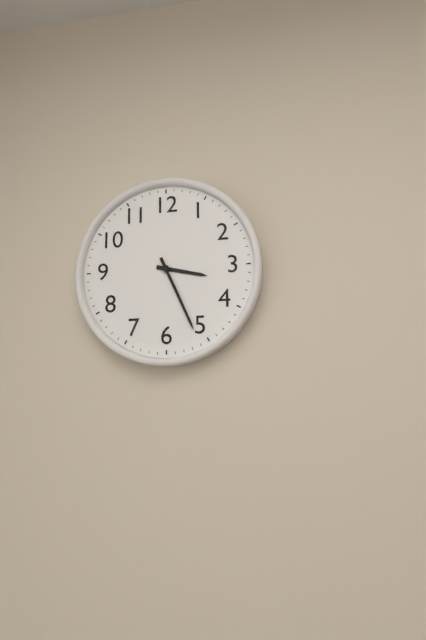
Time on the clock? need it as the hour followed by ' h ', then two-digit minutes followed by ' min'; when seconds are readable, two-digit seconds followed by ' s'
3 h 26 min
